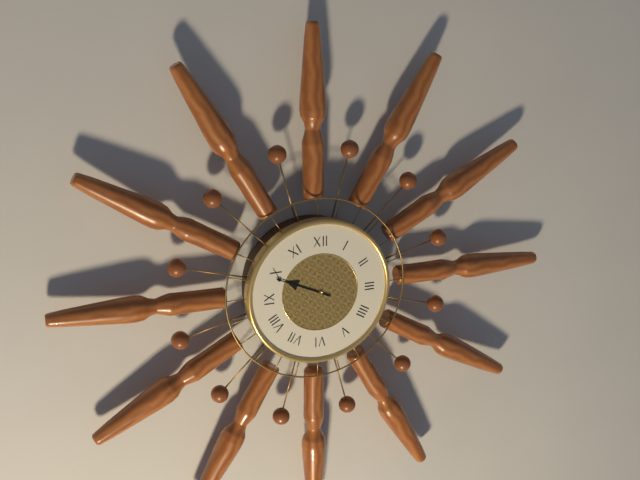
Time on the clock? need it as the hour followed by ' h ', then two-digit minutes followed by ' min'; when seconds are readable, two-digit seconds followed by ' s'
9 h 49 min
